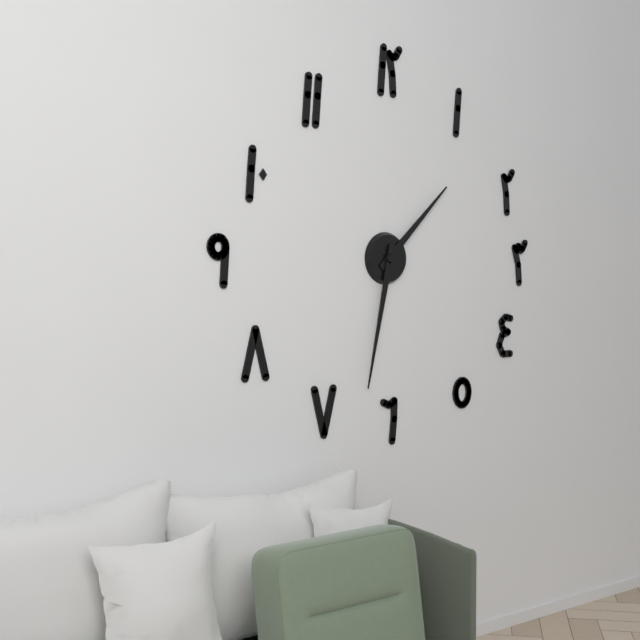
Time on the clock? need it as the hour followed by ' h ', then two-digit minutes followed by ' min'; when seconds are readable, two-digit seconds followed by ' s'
1 h 32 min
